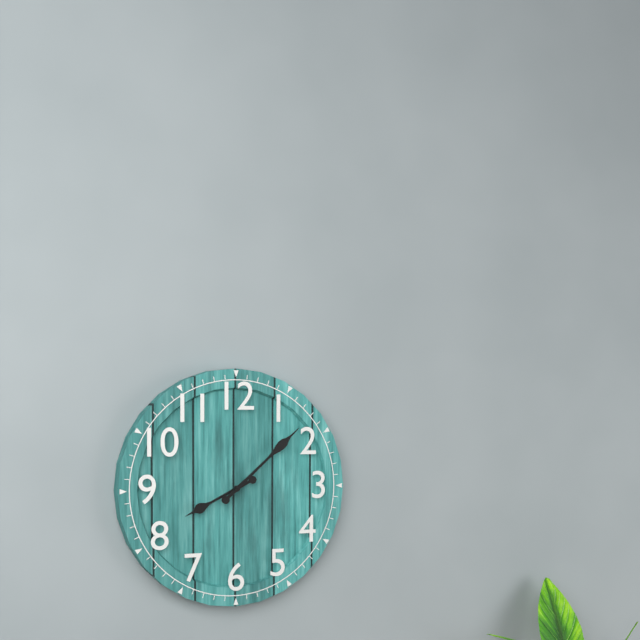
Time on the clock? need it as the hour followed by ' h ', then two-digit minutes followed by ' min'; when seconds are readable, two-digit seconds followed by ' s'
8 h 08 min
